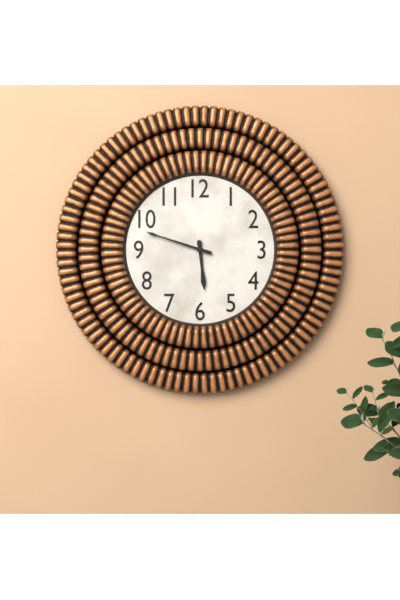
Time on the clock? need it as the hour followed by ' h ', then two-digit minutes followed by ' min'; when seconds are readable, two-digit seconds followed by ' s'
5 h 48 min
